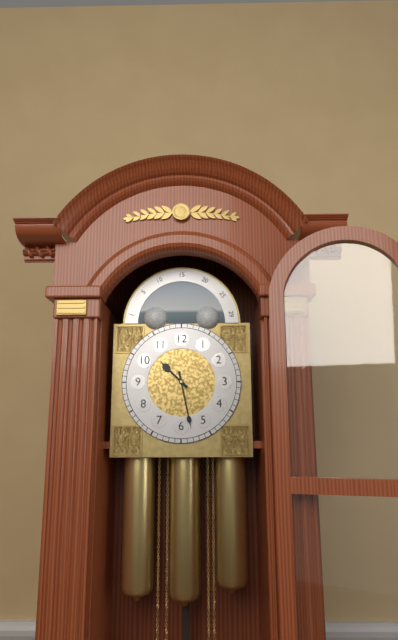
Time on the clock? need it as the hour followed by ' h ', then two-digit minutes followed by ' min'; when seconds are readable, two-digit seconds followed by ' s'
10 h 28 min
